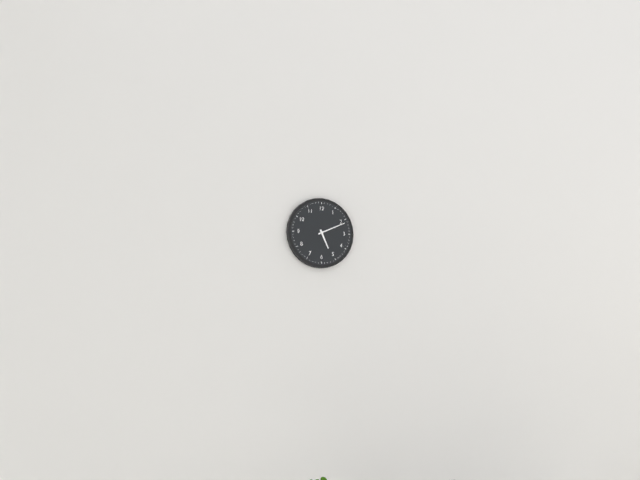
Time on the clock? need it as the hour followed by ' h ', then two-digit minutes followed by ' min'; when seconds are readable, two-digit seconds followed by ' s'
5 h 11 min
